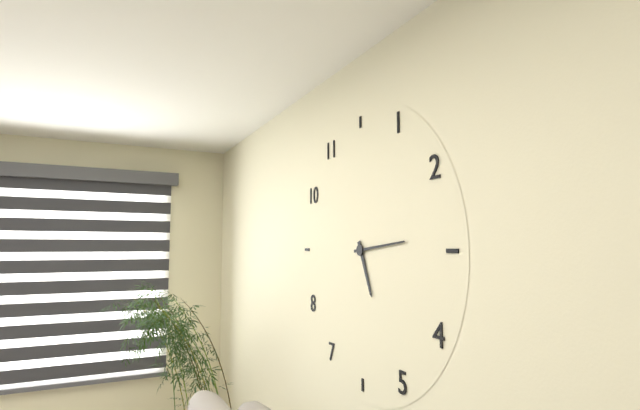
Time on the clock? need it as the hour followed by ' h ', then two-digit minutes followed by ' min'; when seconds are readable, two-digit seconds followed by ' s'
5 h 14 min
